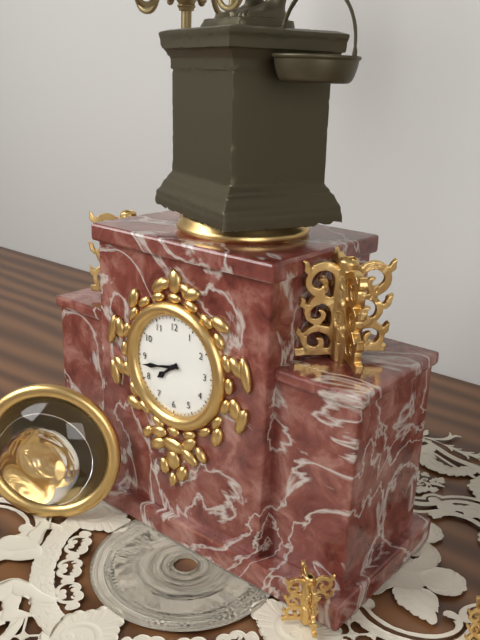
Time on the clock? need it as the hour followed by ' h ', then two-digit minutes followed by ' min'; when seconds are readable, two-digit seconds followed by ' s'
7 h 43 min
